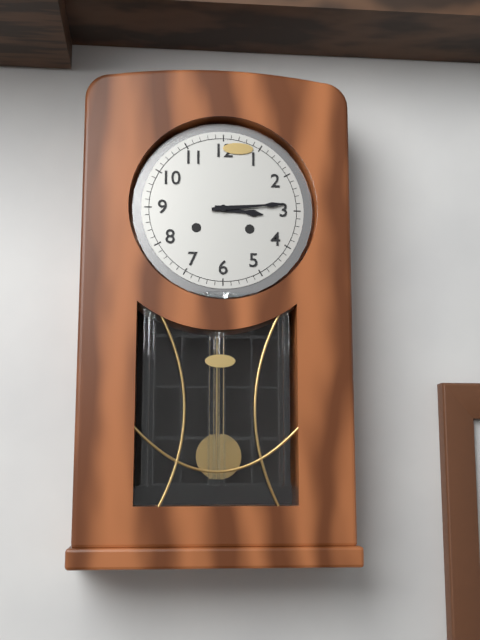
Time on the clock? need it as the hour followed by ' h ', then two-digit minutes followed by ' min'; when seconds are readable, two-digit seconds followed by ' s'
3 h 14 min
